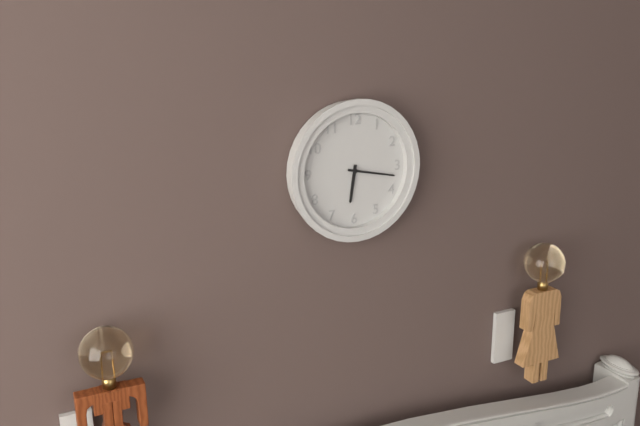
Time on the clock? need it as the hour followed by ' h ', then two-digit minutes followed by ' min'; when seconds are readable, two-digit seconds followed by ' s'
6 h 17 min
